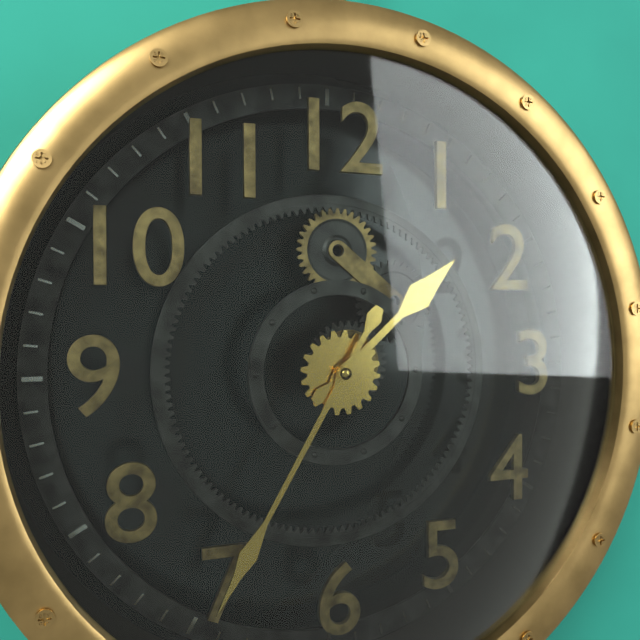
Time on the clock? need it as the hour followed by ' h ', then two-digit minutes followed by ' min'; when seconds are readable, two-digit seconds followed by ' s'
1 h 35 min
